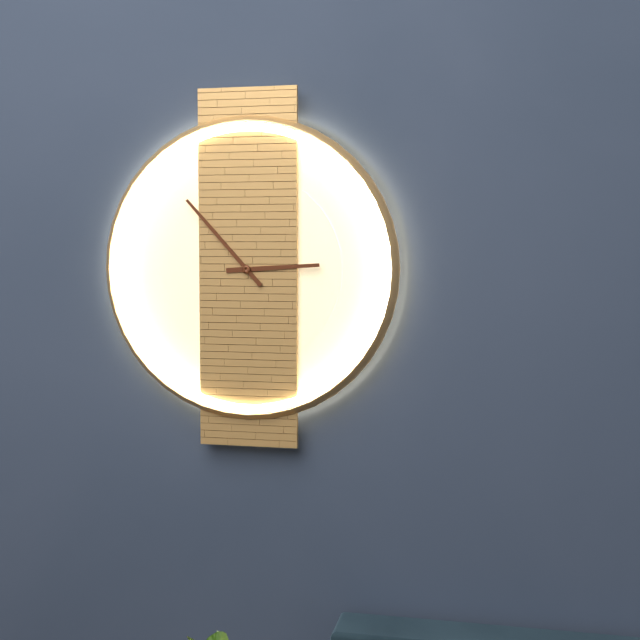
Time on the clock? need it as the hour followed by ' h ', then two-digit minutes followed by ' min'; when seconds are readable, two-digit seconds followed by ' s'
2 h 53 min
